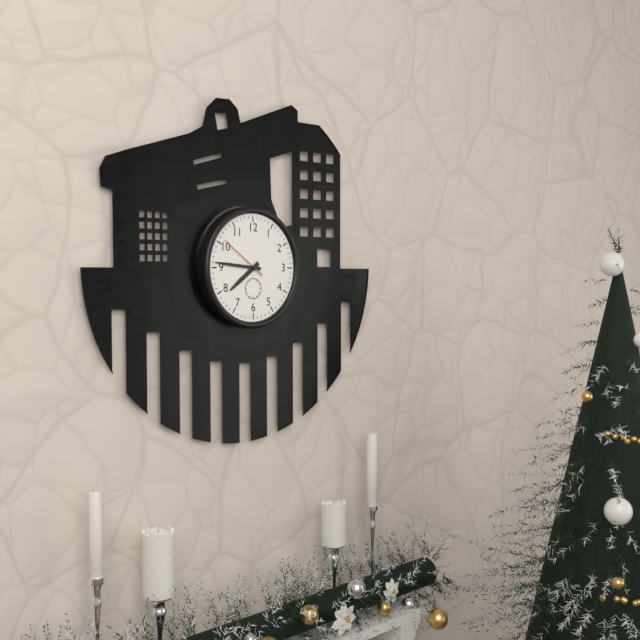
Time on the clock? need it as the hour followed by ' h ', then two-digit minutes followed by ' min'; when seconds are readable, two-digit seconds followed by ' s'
7 h 46 min 51 s
